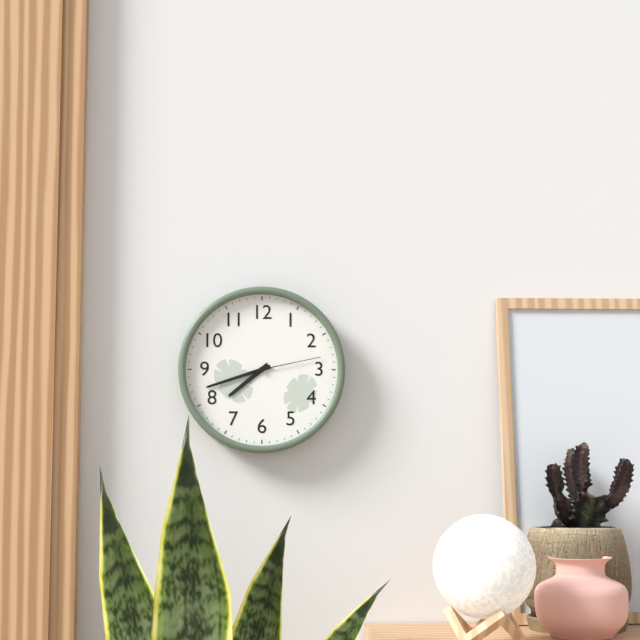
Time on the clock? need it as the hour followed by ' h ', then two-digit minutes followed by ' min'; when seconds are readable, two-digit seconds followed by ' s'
7 h 42 min 13 s
